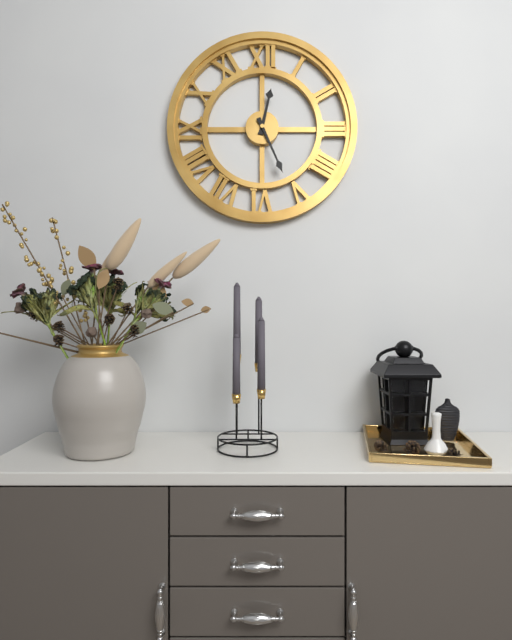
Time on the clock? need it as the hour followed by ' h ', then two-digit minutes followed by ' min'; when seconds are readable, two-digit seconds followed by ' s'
12 h 26 min
